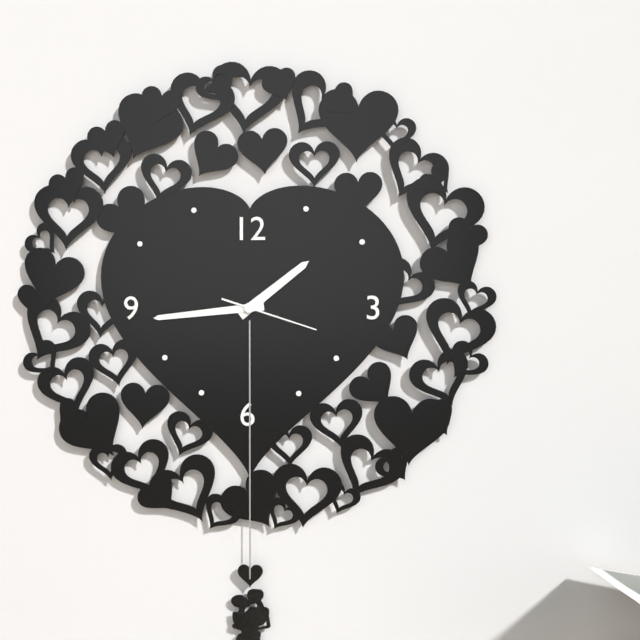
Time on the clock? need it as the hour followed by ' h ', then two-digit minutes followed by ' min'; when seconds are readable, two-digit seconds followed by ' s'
1 h 44 min 18 s
